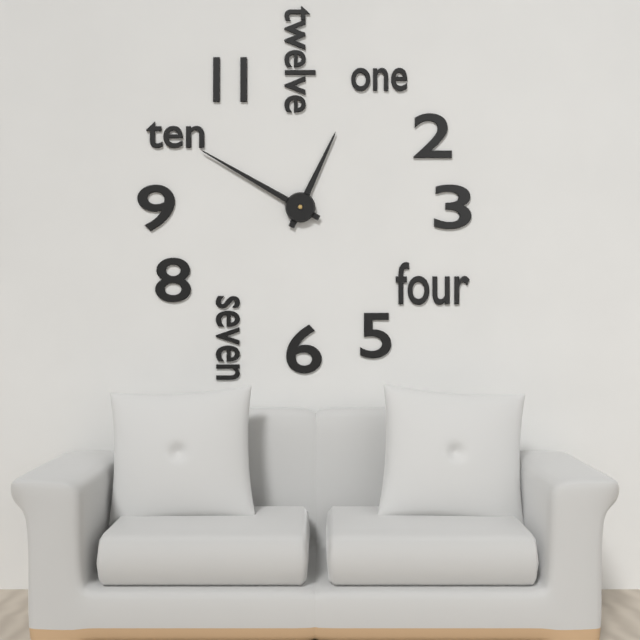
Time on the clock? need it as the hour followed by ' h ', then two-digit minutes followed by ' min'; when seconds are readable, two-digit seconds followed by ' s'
12 h 50 min
